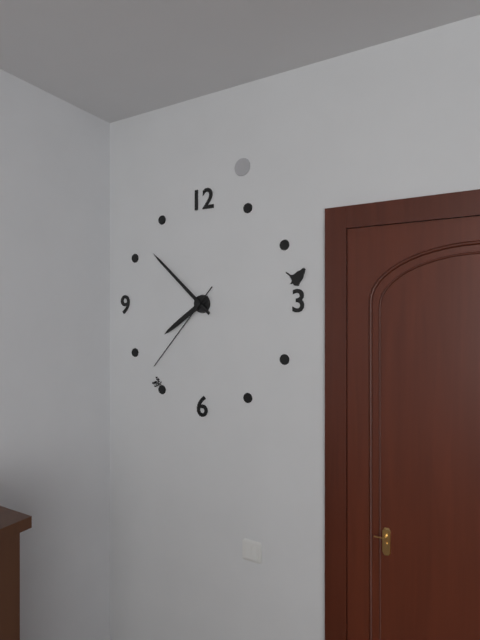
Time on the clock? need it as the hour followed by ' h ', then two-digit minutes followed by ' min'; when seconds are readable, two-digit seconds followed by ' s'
7 h 52 min 37 s
